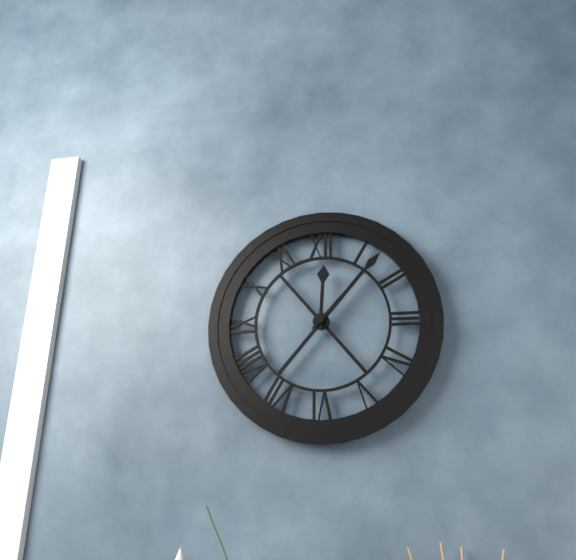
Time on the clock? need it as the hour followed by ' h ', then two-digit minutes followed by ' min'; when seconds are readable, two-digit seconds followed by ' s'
12 h 07 min
